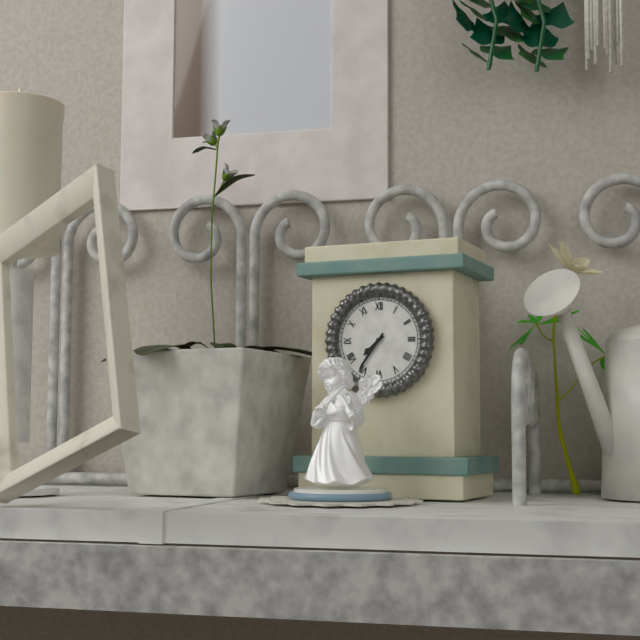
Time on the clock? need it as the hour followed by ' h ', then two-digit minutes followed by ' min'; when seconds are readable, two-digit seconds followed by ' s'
7 h 36 min
